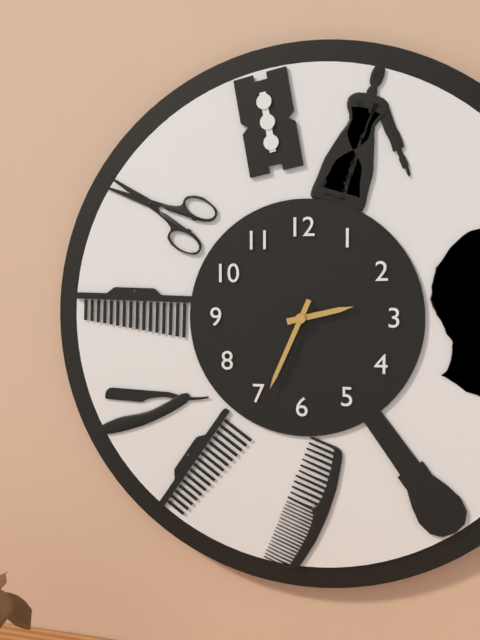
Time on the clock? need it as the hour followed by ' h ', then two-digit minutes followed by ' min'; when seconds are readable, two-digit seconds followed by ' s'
2 h 34 min
